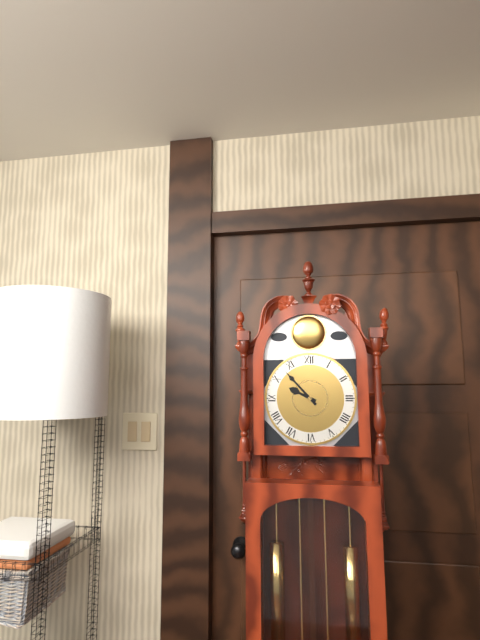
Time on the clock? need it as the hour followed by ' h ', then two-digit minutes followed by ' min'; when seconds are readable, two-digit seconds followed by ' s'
9 h 53 min
